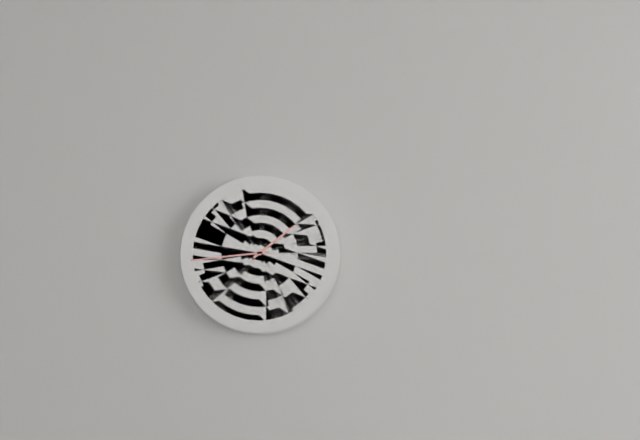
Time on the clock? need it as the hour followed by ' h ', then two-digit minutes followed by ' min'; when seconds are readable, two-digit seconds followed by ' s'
1 h 44 min
